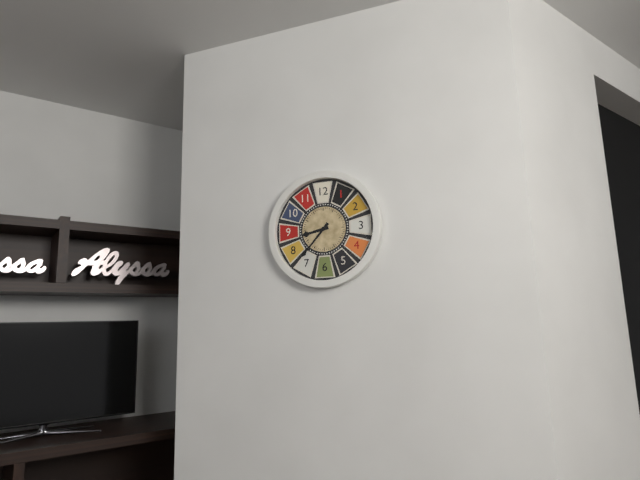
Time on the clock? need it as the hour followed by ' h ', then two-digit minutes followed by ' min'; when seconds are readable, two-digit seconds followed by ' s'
8 h 37 min
